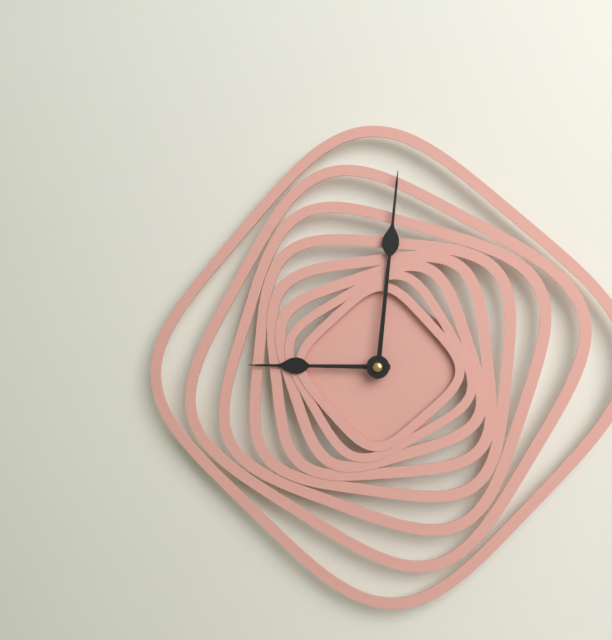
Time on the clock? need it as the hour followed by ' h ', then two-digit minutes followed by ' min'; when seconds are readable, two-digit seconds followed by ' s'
9 h 01 min
